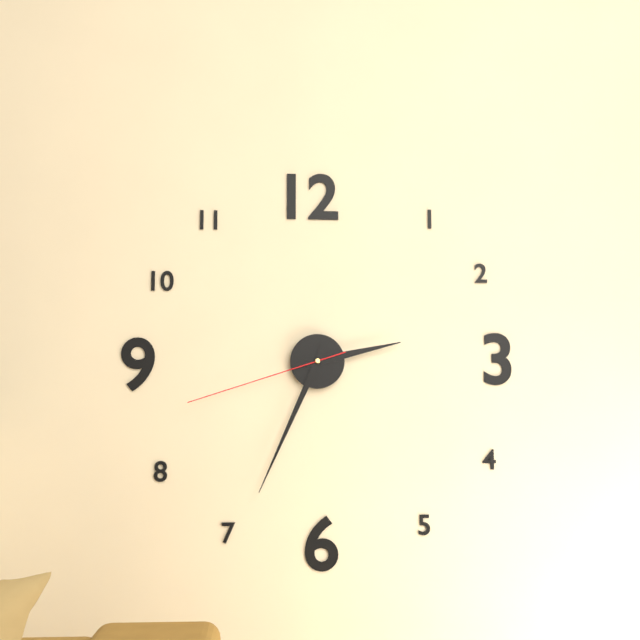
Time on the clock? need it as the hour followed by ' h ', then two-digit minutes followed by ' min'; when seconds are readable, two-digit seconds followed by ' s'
2 h 34 min 42 s
